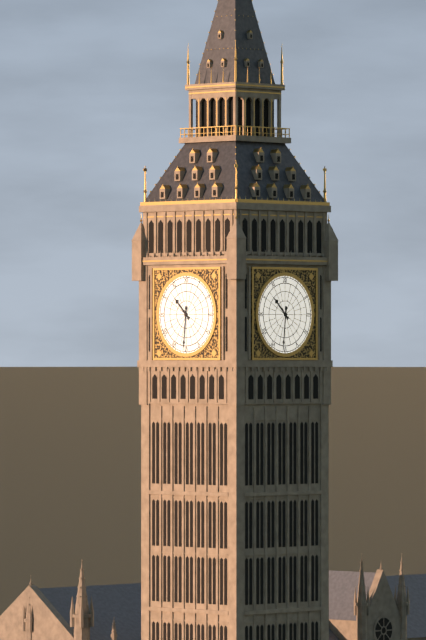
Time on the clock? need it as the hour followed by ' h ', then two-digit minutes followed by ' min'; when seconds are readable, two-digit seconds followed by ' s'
10 h 31 min
